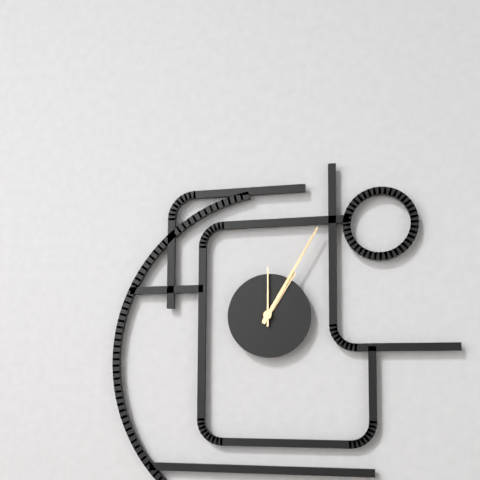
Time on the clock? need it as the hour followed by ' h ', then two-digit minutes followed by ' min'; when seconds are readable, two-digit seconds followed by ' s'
1 h 05 min 00 s
